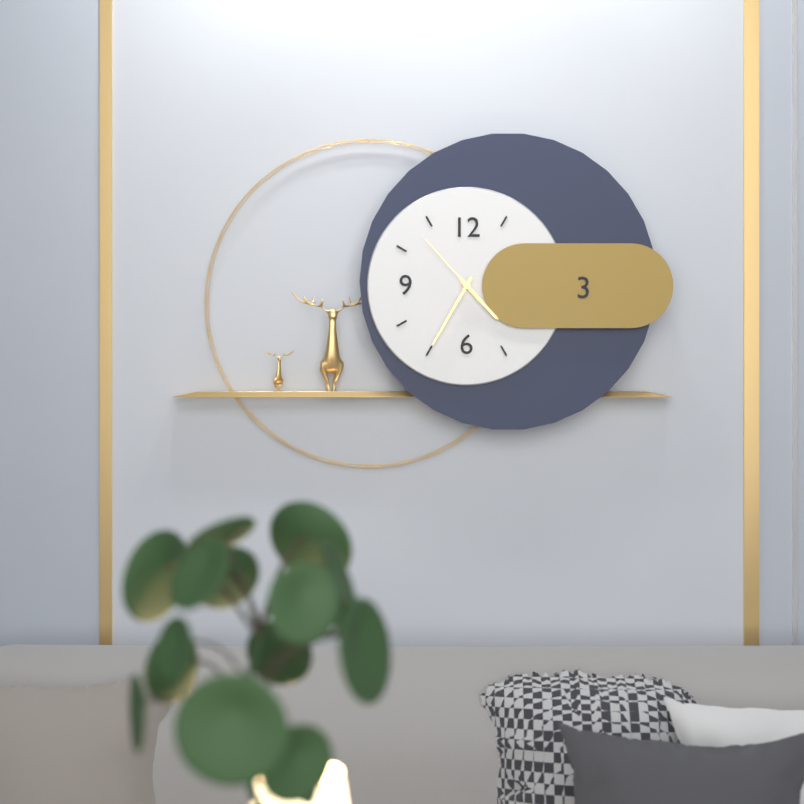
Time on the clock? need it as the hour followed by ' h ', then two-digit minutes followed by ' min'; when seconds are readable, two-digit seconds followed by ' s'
4 h 35 min 53 s
